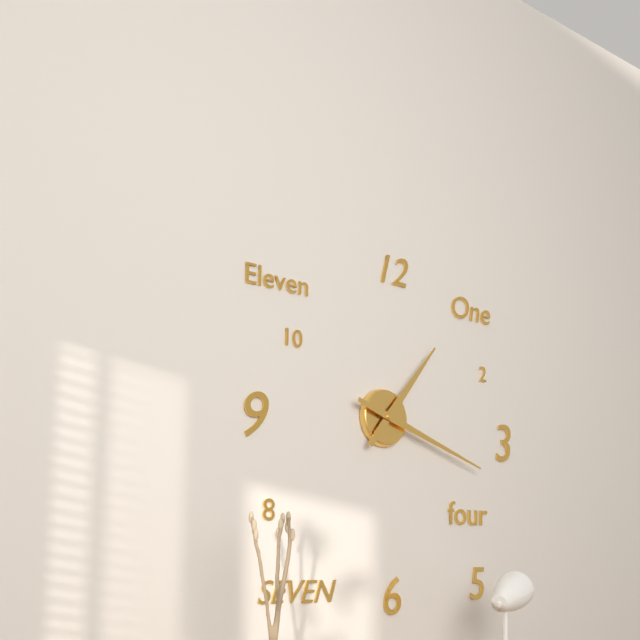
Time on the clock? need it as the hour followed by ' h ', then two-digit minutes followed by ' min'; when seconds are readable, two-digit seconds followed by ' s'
1 h 18 min
